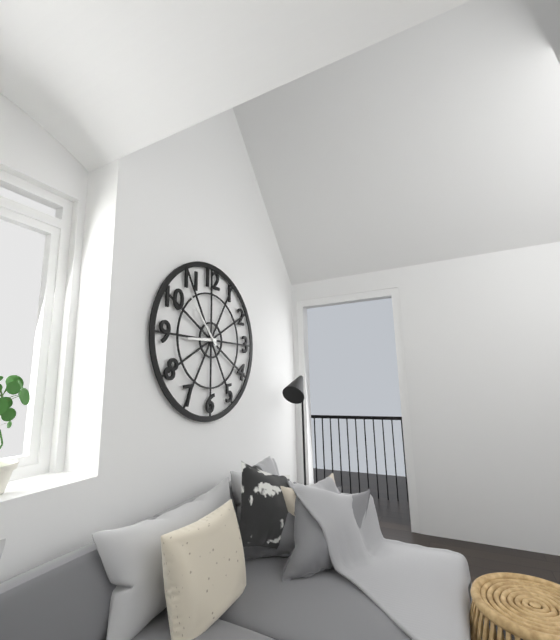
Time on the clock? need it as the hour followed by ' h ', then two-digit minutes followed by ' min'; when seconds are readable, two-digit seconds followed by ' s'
8 h 53 min
